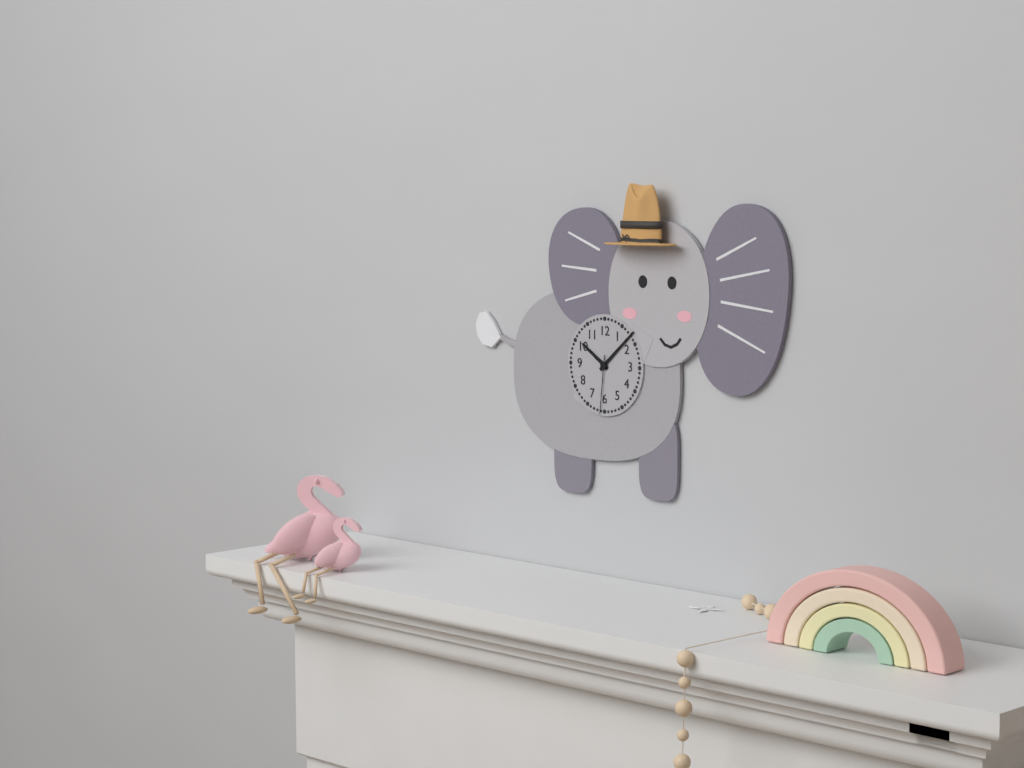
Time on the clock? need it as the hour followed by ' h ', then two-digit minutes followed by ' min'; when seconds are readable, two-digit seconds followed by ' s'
10 h 08 min 31 s
